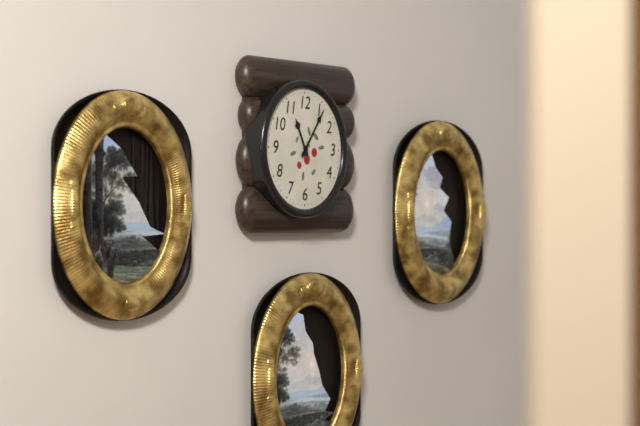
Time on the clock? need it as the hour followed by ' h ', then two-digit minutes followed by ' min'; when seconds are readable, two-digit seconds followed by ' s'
11 h 06 min
